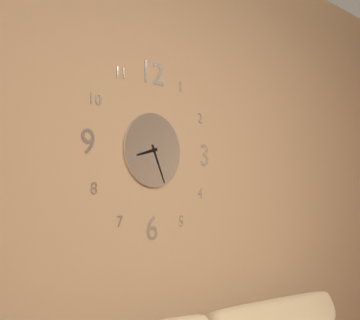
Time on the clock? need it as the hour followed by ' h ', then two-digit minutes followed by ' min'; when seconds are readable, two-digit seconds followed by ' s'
8 h 26 min
